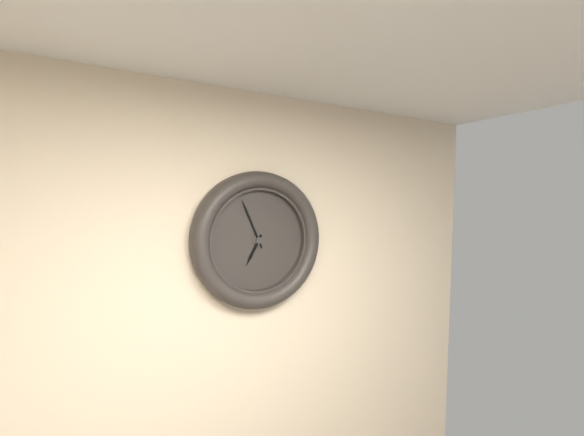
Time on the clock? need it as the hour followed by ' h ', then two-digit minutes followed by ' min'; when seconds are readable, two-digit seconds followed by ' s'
6 h 56 min
